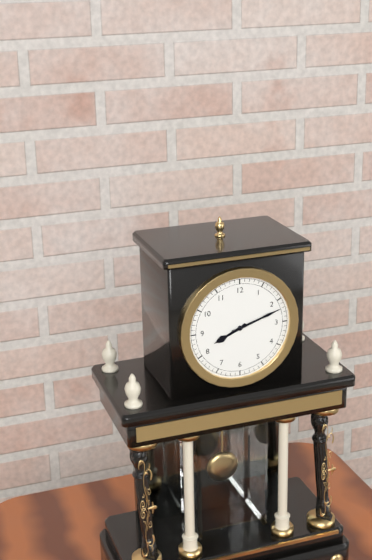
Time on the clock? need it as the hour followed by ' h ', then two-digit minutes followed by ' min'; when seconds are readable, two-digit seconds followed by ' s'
8 h 12 min
